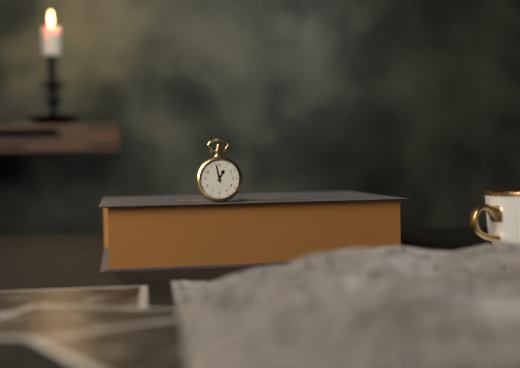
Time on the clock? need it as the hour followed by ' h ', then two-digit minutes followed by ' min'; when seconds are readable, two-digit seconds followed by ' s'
12 h 58 min
